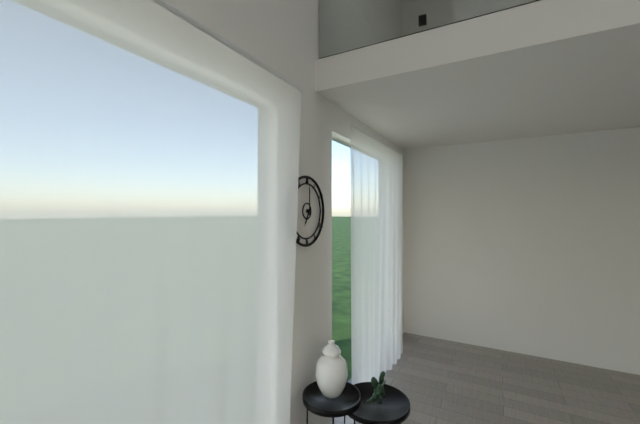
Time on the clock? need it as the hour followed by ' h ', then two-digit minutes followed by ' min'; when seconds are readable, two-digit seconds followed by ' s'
7 h 00 min
